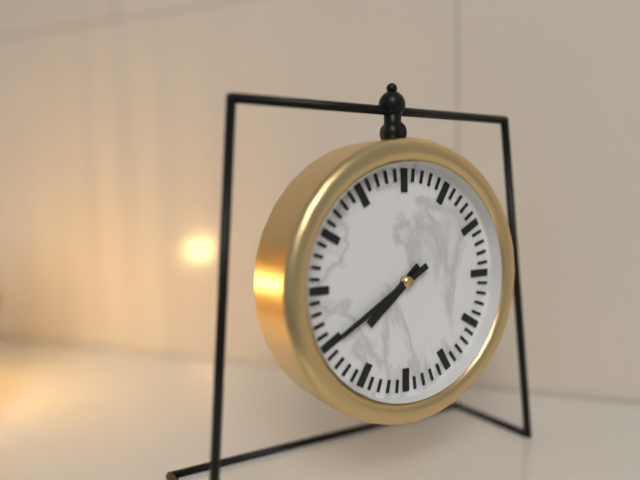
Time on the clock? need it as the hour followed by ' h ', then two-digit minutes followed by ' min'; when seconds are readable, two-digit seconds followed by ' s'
7 h 40 min
